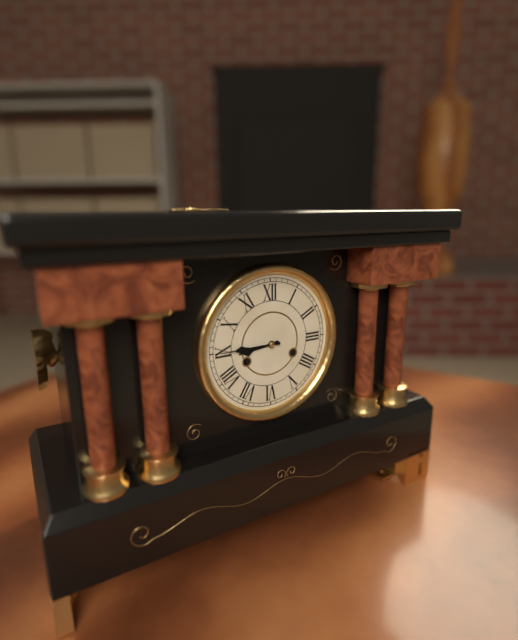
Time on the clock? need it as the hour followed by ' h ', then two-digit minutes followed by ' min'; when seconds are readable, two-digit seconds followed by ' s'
8 h 45 min
